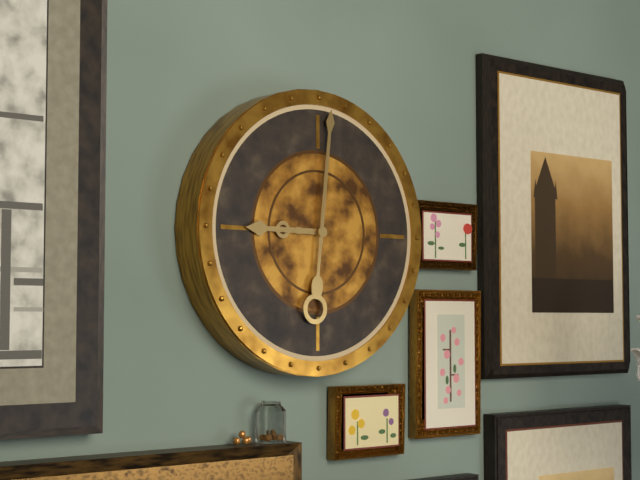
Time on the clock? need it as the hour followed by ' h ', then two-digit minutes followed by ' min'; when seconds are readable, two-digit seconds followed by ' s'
9 h 01 min
